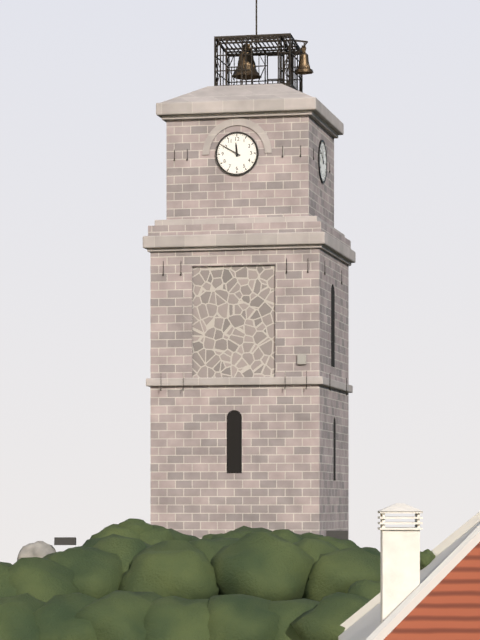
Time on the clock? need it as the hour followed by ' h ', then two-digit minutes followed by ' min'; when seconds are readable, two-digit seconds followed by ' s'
11 h 50 min
